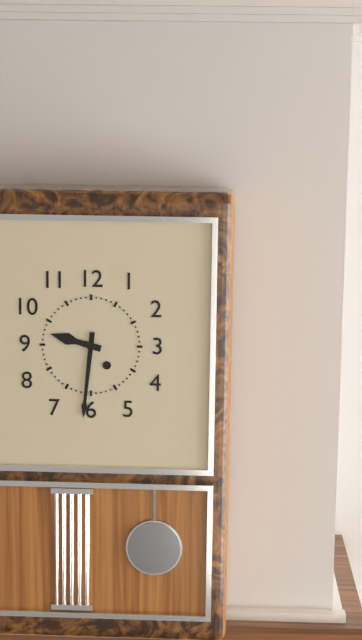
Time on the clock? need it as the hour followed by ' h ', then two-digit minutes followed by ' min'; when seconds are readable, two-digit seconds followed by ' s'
9 h 31 min
